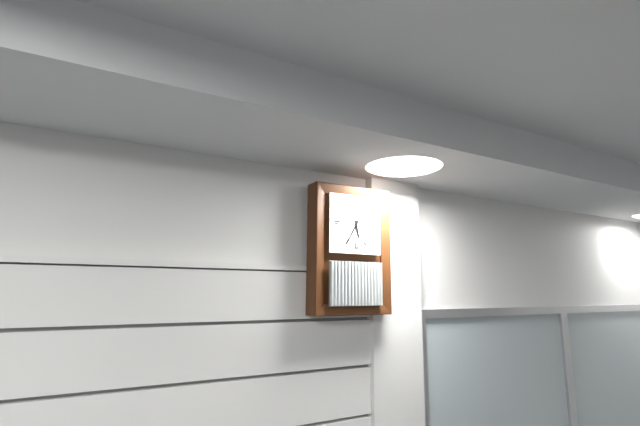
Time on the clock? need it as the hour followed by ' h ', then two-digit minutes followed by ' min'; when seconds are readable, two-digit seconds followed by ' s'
5 h 35 min
